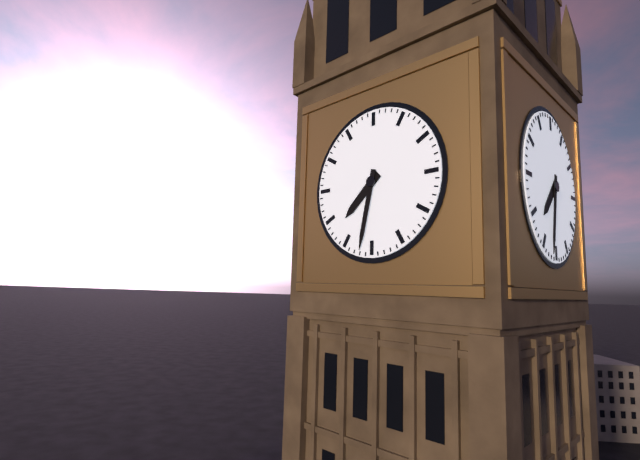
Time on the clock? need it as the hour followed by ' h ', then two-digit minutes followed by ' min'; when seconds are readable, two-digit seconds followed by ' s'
7 h 32 min
